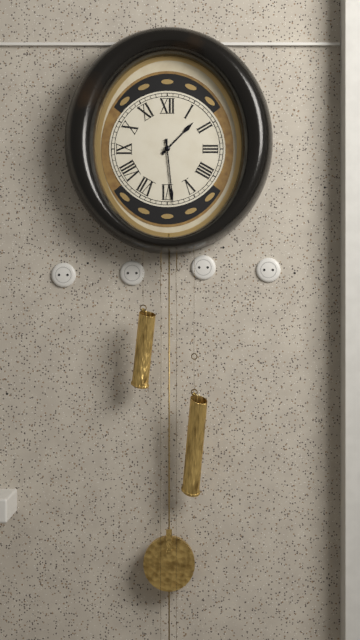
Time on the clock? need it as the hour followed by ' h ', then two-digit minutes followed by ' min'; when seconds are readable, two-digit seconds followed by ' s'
1 h 29 min
